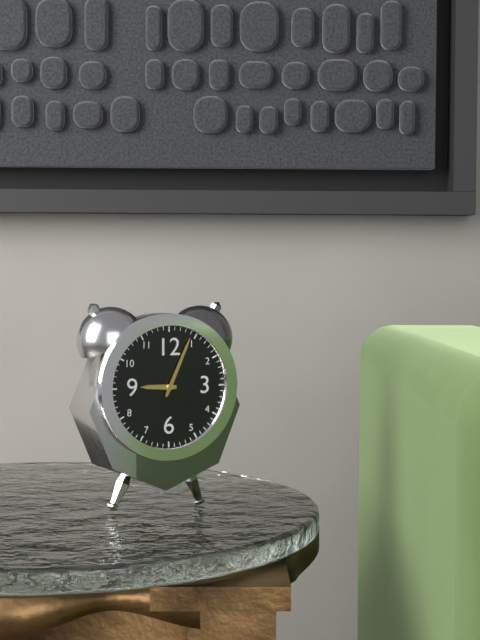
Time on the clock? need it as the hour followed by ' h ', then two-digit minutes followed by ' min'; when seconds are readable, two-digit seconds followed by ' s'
9 h 04 min
